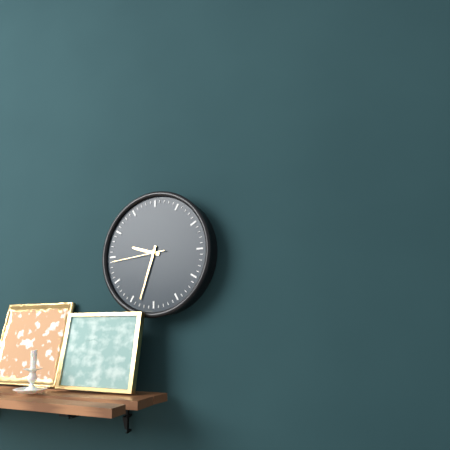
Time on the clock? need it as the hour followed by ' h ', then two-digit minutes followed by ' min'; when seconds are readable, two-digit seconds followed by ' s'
9 h 33 min 44 s
